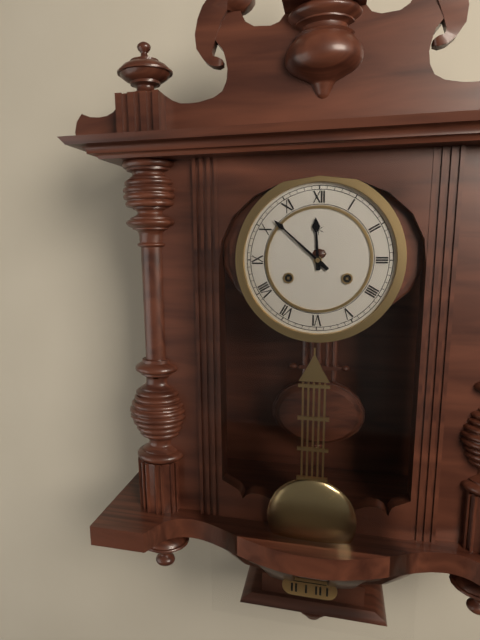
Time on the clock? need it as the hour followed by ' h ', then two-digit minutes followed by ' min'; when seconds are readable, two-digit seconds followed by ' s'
11 h 52 min
